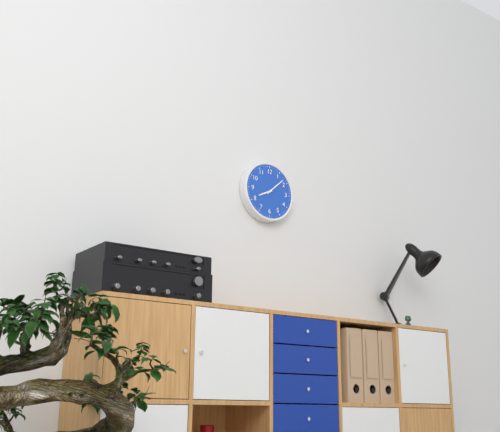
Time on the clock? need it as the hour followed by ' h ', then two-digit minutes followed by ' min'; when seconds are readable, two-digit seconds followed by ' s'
8 h 08 min
